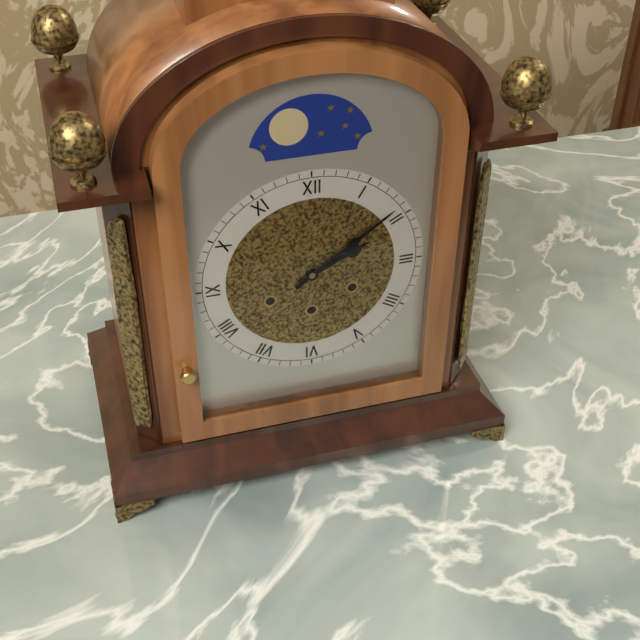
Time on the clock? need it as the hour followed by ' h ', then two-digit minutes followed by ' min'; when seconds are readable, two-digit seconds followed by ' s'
2 h 09 min
